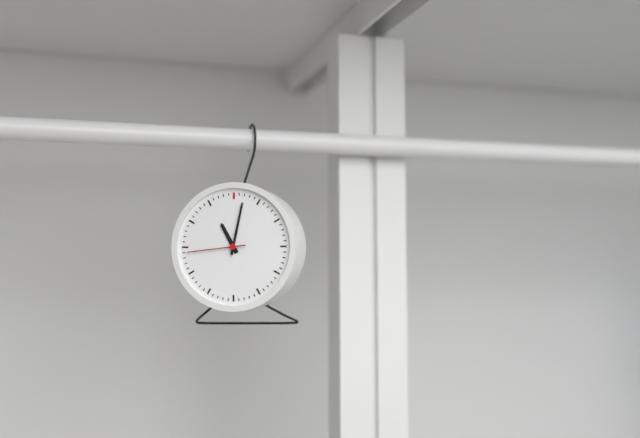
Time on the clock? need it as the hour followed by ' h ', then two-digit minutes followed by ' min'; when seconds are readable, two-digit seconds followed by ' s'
11 h 02 min 44 s
